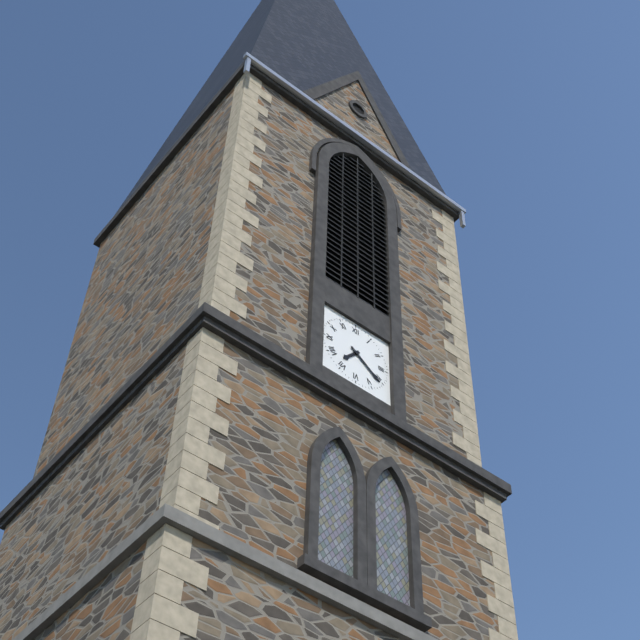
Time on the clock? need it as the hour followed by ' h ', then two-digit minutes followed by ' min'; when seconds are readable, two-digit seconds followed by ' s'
7 h 21 min
